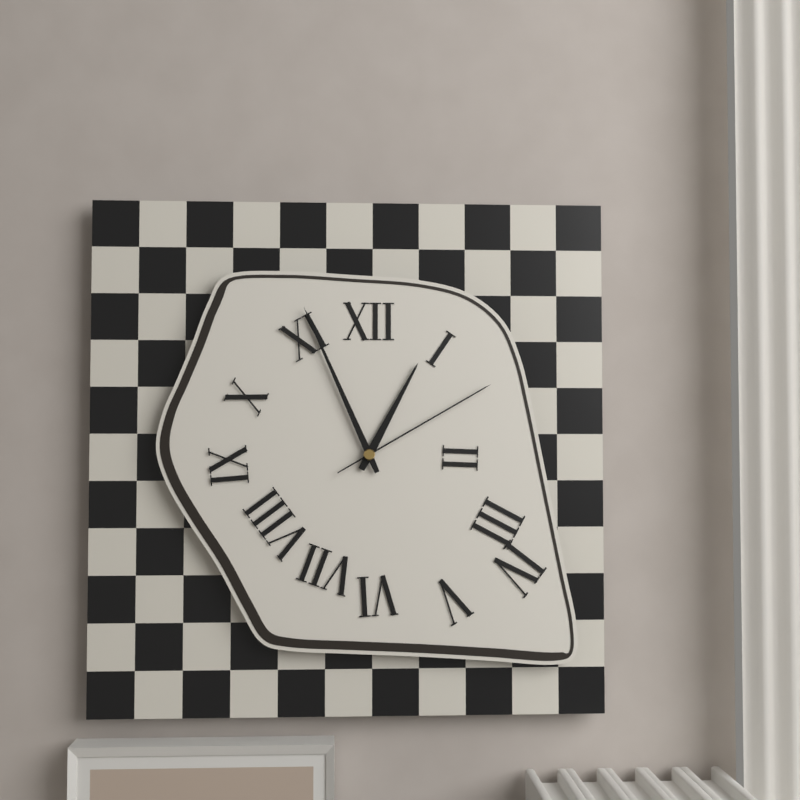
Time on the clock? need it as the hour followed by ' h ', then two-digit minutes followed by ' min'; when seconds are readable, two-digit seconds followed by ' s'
12 h 56 min 10 s
